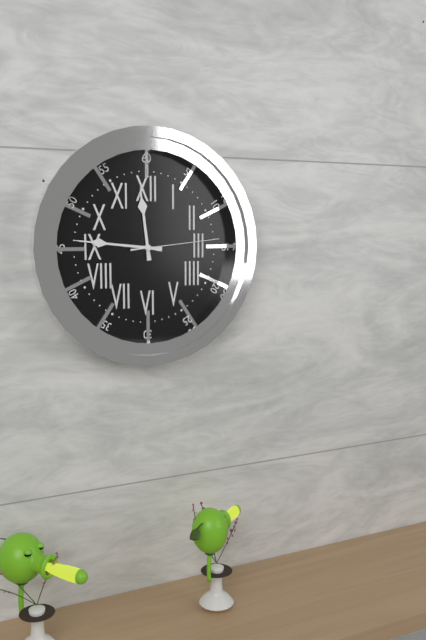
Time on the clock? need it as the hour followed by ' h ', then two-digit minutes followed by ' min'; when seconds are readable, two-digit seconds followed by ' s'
11 h 46 min 14 s
